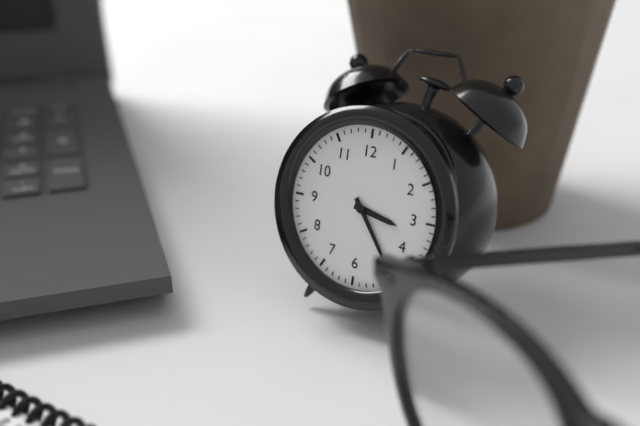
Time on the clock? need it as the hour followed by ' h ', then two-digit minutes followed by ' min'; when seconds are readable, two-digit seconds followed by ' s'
3 h 24 min
